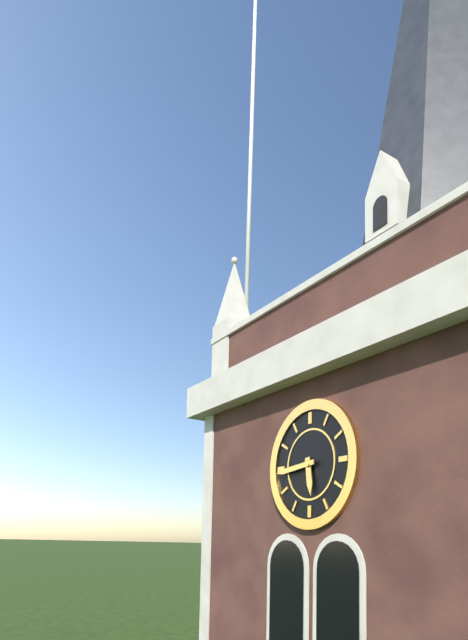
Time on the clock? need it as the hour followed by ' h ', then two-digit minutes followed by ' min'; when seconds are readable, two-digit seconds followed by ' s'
5 h 44 min
